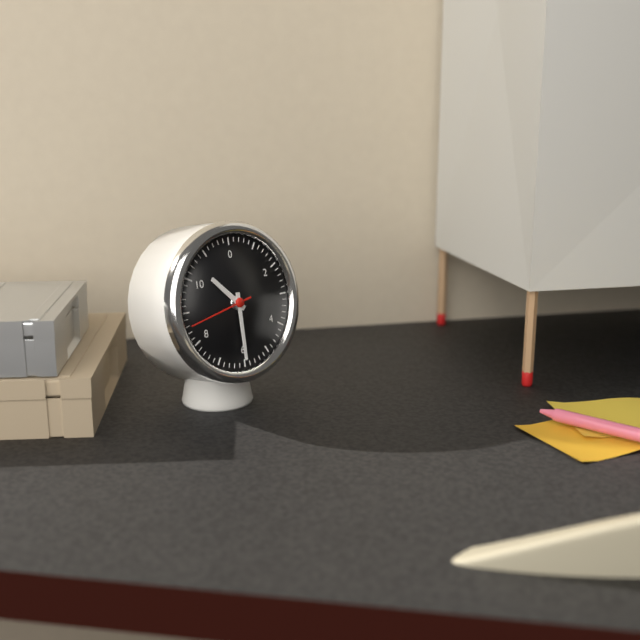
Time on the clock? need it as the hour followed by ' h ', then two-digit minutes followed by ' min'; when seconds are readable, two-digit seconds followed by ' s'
10 h 30 min 43 s
